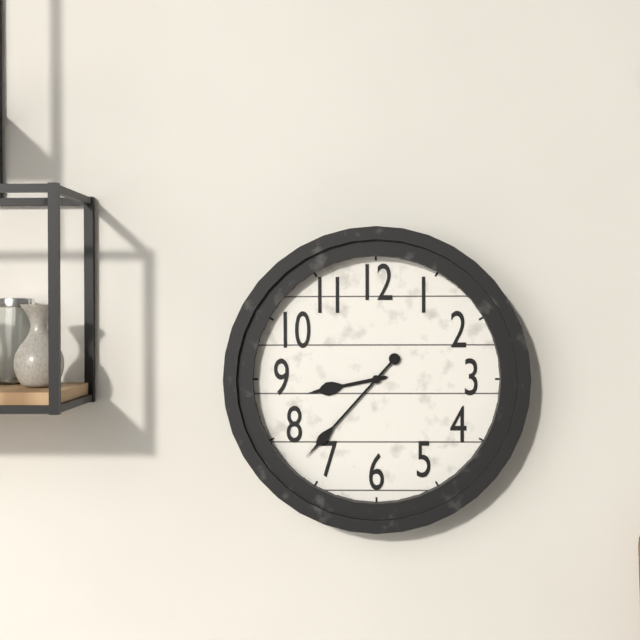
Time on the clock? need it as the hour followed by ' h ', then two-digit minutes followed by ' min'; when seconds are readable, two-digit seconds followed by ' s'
8 h 37 min
